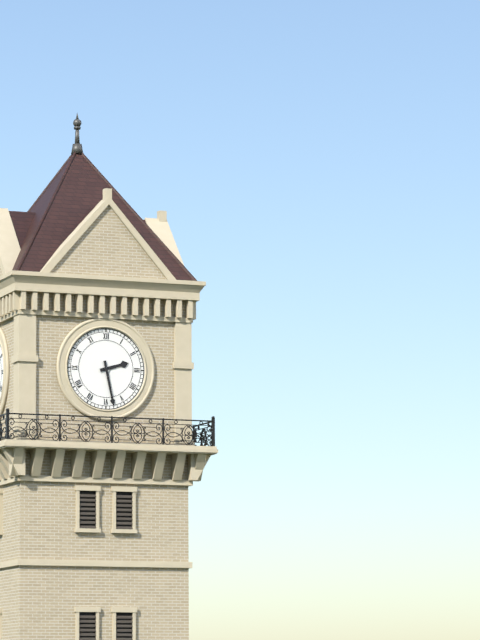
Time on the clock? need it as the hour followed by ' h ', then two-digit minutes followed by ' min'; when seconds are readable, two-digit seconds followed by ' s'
2 h 28 min
